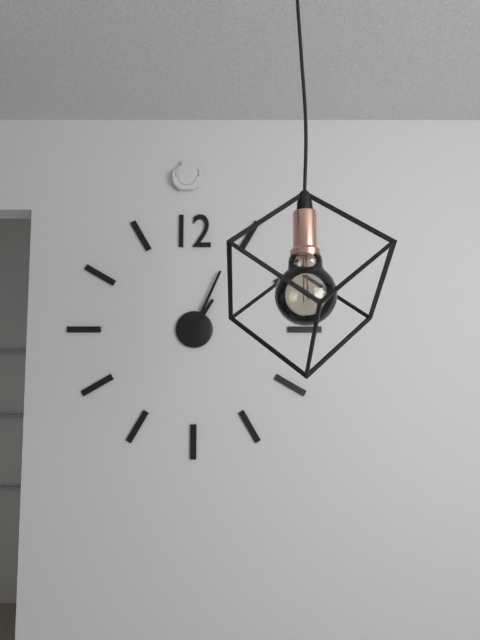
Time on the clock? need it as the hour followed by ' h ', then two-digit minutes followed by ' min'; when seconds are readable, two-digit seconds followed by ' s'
1 h 04 min
